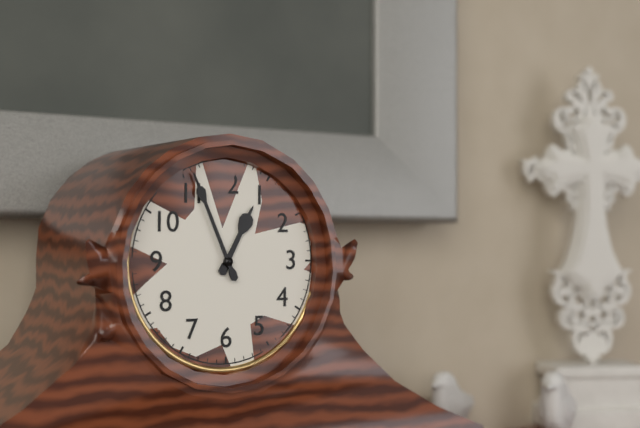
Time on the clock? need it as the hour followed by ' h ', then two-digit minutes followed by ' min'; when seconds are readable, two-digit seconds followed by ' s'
12 h 56 min
